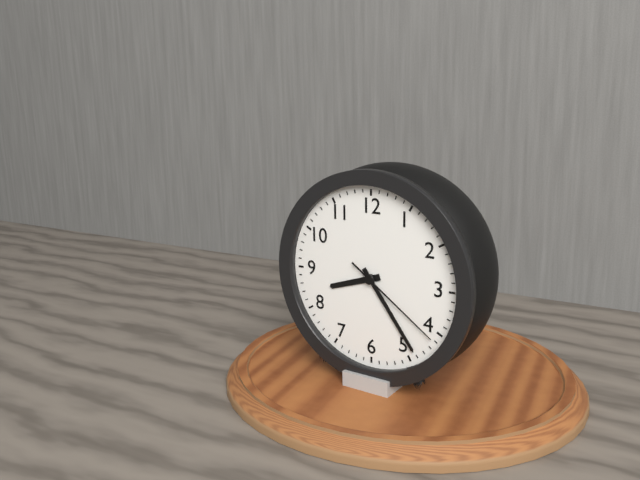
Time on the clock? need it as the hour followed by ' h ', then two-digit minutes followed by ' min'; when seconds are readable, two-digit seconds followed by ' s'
8 h 24 min 21 s
